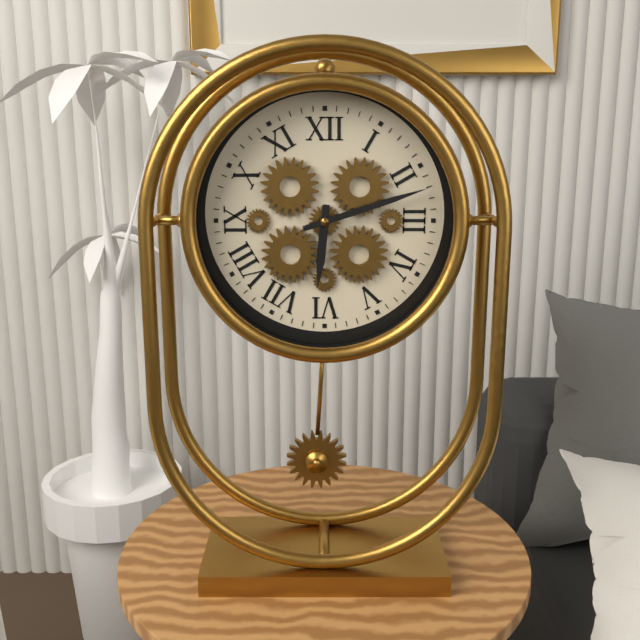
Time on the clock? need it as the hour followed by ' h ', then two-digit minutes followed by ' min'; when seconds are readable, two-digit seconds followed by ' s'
6 h 12 min
